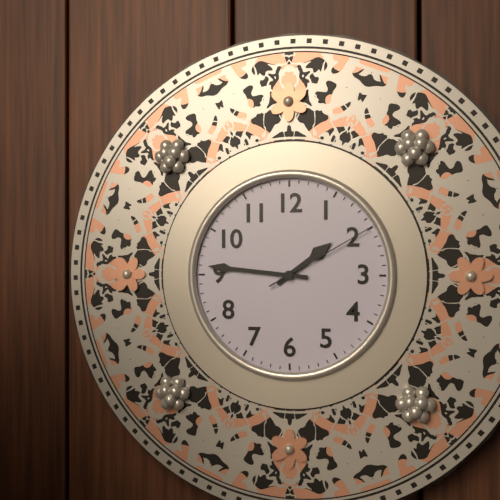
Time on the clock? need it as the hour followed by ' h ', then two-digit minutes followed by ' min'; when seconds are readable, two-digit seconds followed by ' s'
1 h 46 min 10 s
